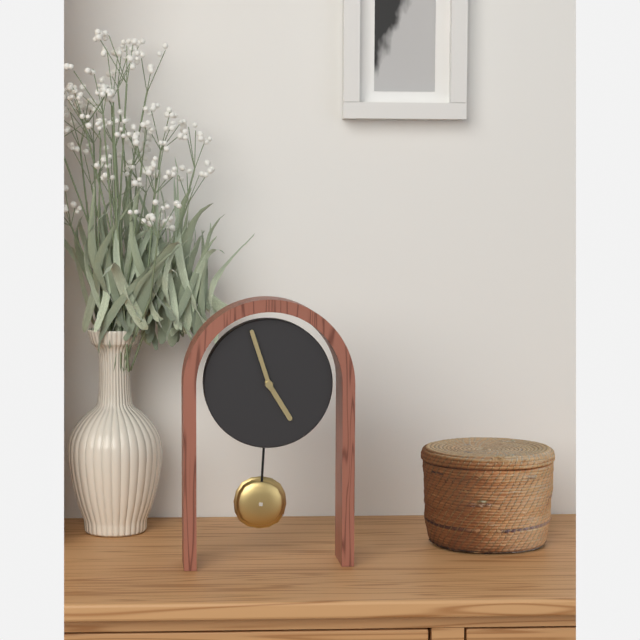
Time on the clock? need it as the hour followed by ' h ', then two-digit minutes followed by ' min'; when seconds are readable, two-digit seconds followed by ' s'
4 h 57 min
